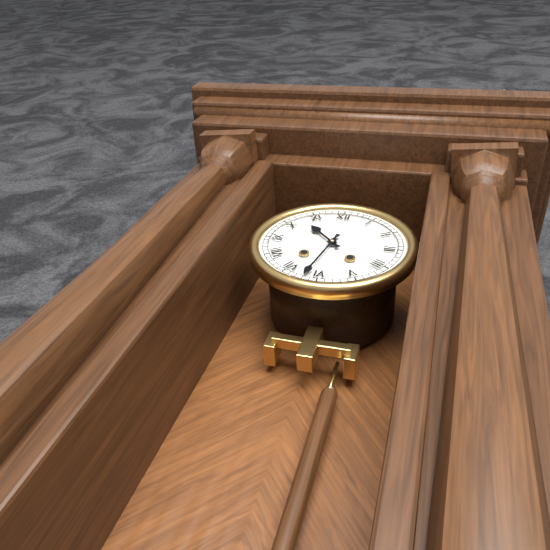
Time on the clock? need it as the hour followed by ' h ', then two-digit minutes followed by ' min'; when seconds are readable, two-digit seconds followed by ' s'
10 h 32 min
